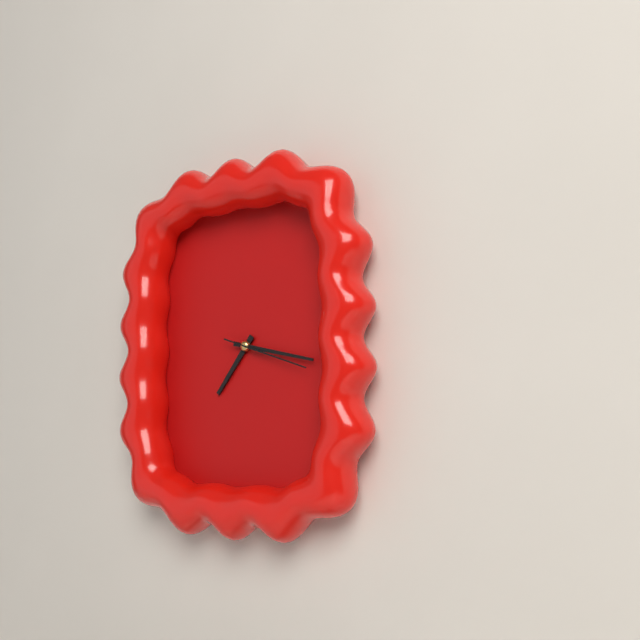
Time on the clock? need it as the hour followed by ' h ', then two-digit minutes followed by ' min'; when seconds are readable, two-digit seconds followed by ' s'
7 h 17 min 18 s
